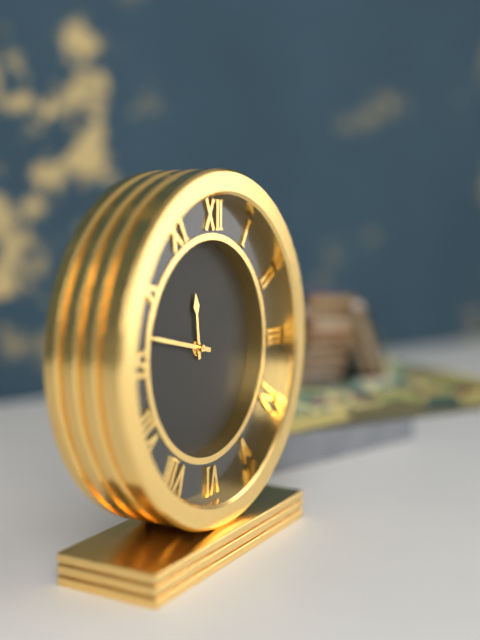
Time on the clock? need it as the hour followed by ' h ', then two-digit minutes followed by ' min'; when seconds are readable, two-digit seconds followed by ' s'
11 h 47 min
